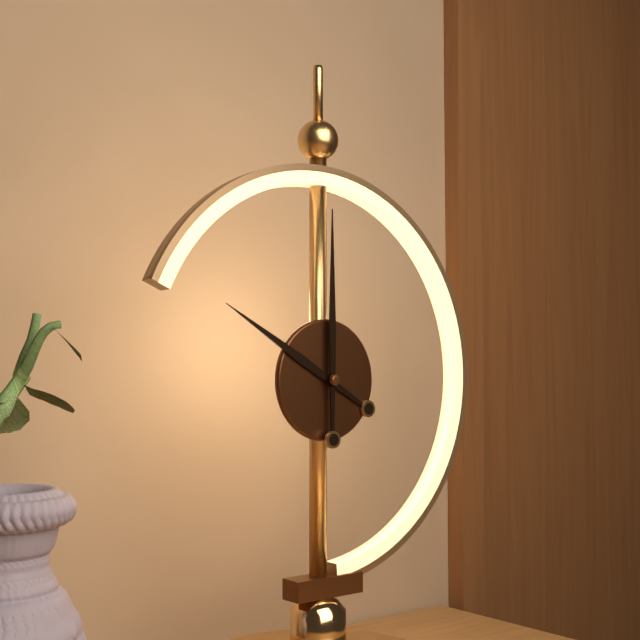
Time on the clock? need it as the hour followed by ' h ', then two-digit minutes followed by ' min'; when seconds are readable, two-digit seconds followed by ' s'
10 h 00 min
